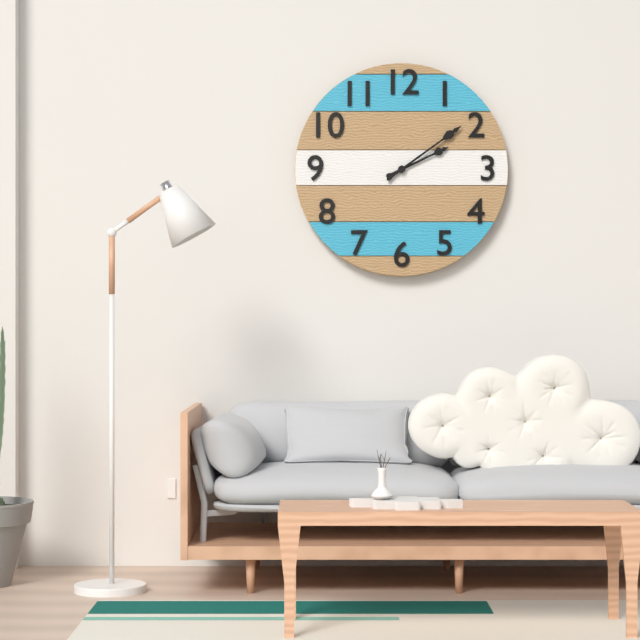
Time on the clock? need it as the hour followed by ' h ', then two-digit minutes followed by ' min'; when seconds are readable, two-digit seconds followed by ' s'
2 h 09 min
